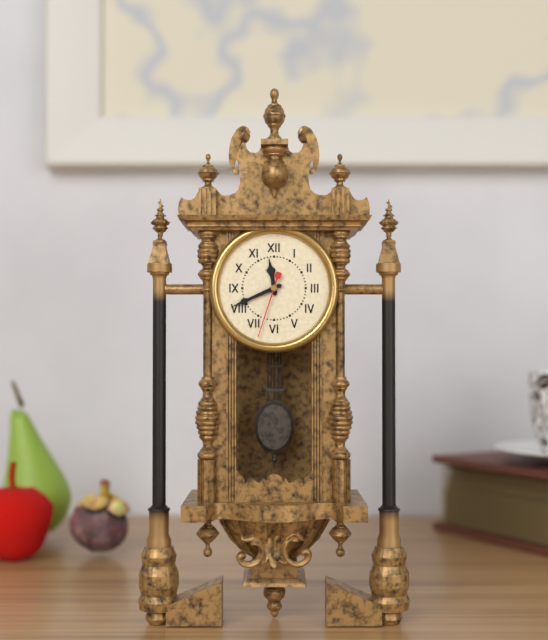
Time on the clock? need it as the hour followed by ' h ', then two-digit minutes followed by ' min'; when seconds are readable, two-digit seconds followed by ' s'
11 h 41 min 33 s
